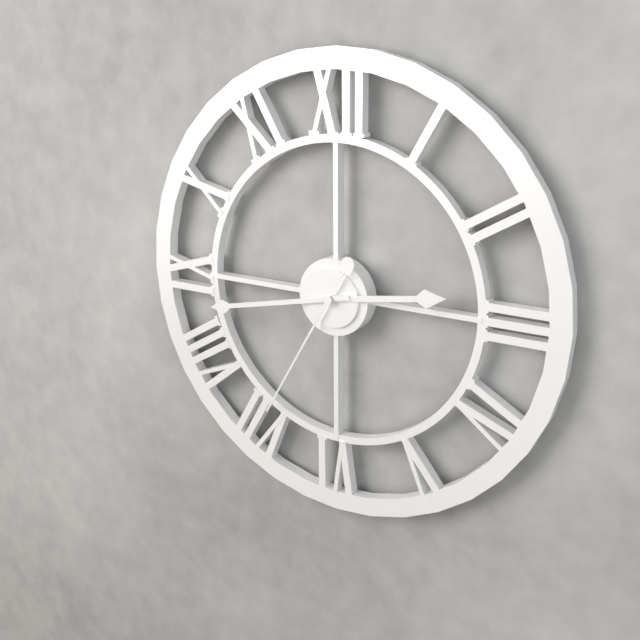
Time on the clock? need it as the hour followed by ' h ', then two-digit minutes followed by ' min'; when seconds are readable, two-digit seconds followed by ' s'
2 h 43 min 35 s
